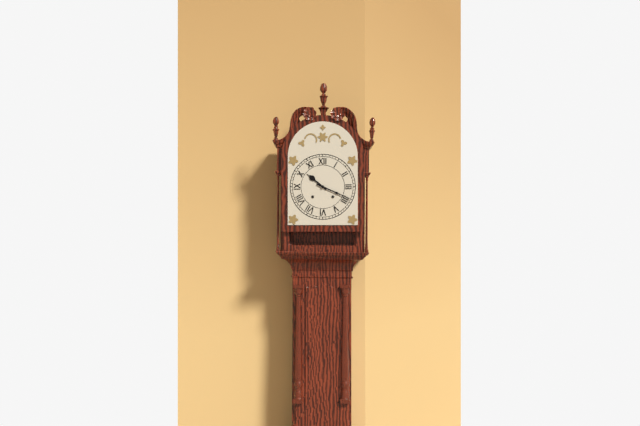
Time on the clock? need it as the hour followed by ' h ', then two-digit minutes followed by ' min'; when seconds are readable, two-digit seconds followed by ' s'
10 h 19 min
